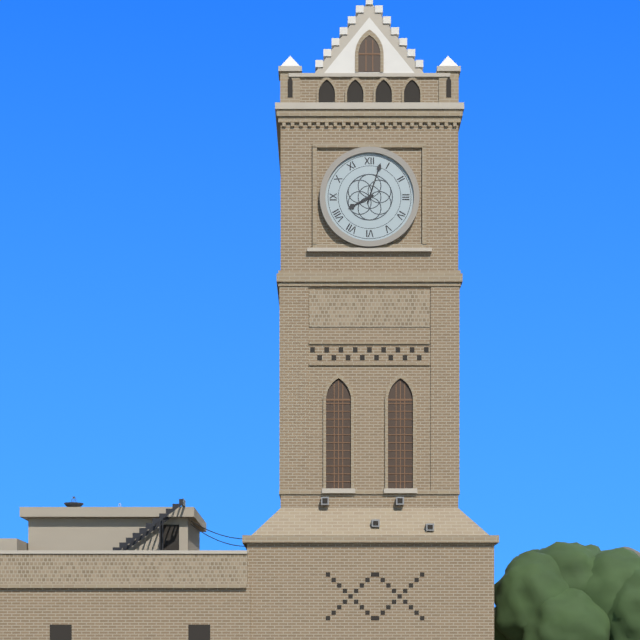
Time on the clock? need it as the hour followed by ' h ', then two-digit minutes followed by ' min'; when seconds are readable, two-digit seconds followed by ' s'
8 h 03 min
